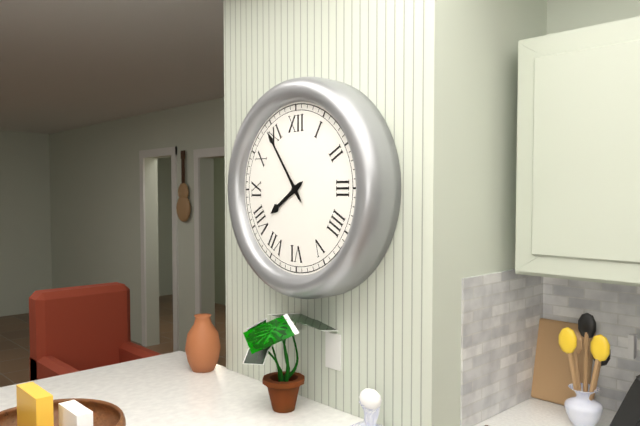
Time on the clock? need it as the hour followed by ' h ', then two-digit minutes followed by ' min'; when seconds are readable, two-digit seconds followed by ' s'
7 h 54 min
